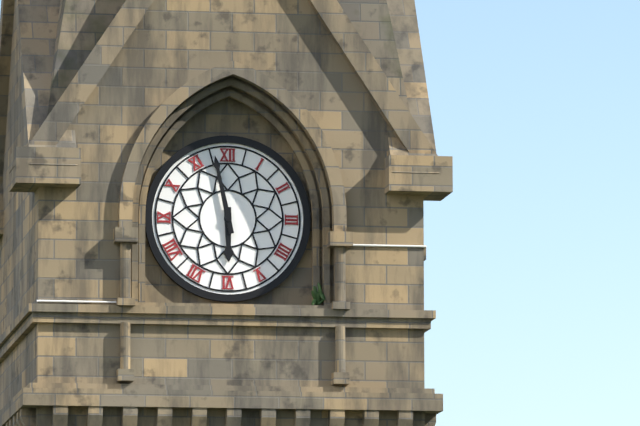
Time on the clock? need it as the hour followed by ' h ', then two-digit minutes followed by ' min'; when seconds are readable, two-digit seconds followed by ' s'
5 h 58 min
